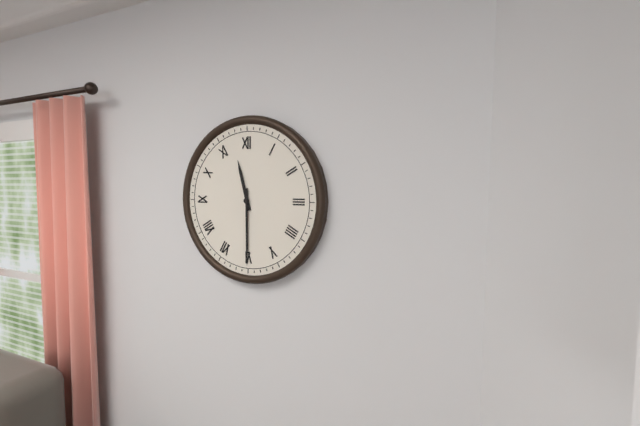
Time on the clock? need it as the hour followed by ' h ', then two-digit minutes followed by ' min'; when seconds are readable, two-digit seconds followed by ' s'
11 h 30 min
